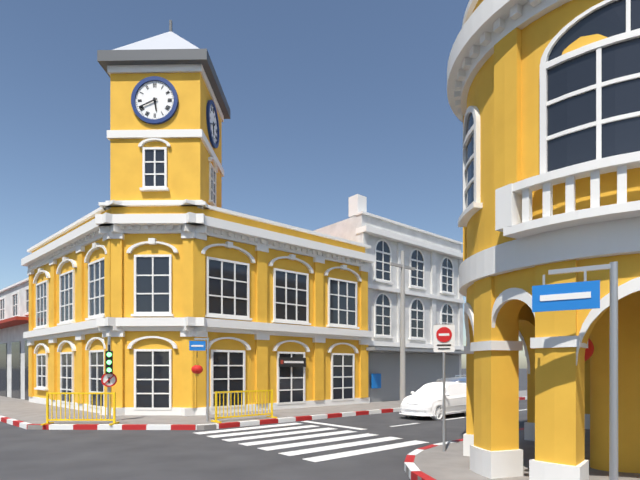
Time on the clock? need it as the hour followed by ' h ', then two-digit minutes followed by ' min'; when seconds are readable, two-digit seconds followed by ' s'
5 h 41 min
